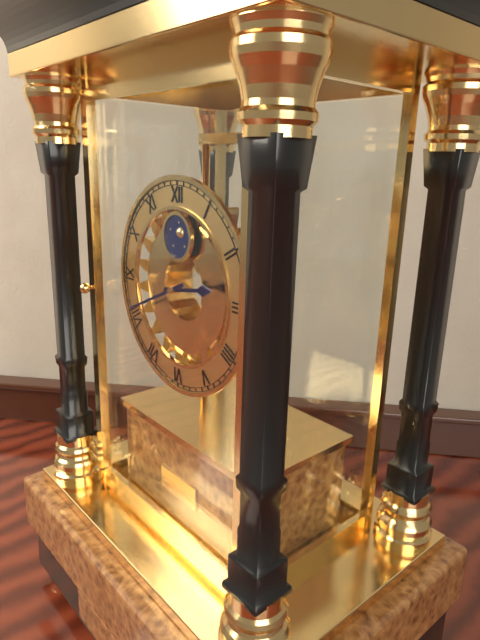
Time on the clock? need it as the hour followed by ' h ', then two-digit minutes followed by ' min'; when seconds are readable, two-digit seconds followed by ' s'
2 h 41 min
